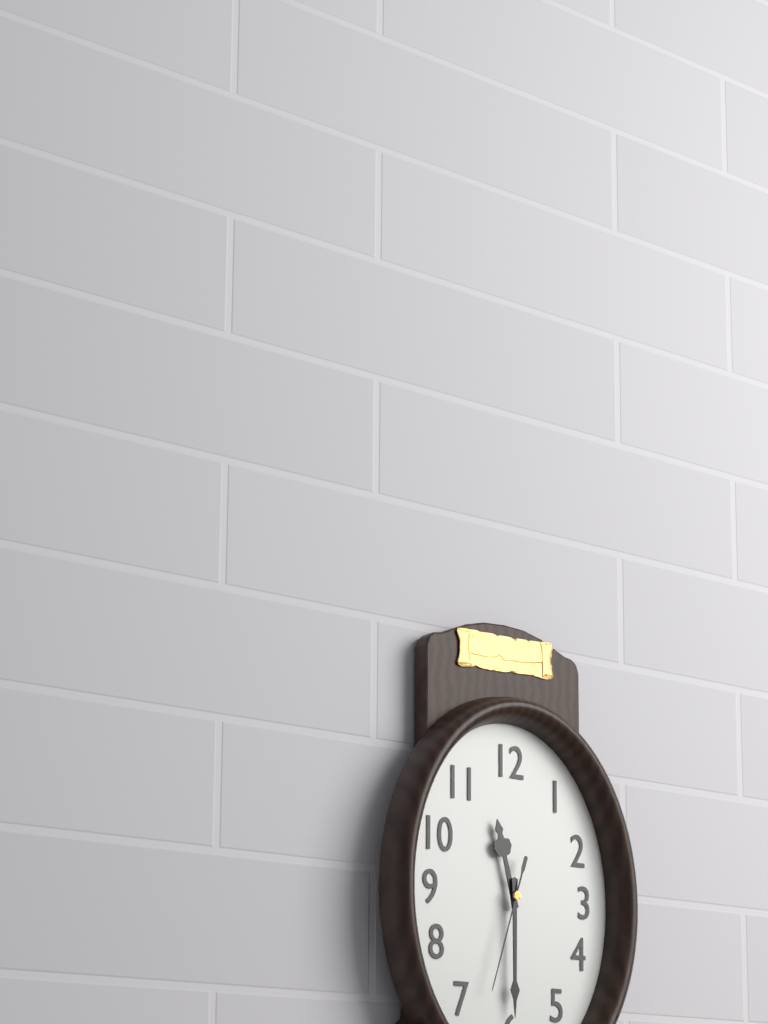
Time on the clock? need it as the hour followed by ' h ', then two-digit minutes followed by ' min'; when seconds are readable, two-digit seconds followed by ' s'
11 h 30 min 33 s
